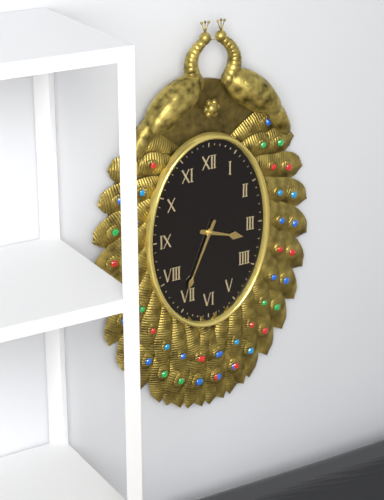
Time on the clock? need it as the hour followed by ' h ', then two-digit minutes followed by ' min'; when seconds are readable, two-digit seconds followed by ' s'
3 h 34 min
